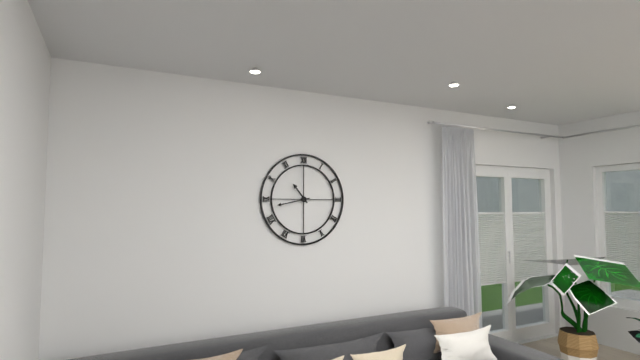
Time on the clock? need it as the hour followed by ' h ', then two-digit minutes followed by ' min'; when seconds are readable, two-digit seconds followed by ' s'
10 h 43 min
